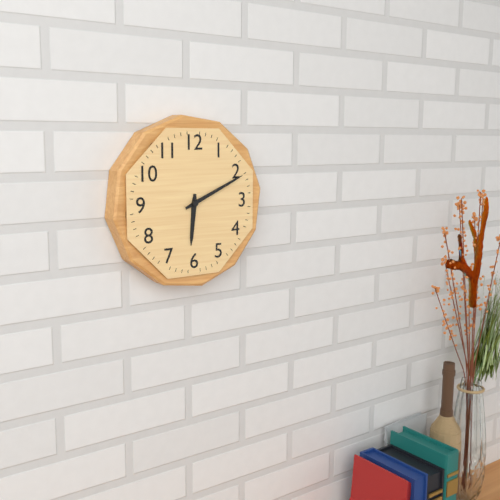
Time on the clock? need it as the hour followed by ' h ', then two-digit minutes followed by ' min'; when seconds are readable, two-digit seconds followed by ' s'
6 h 11 min
